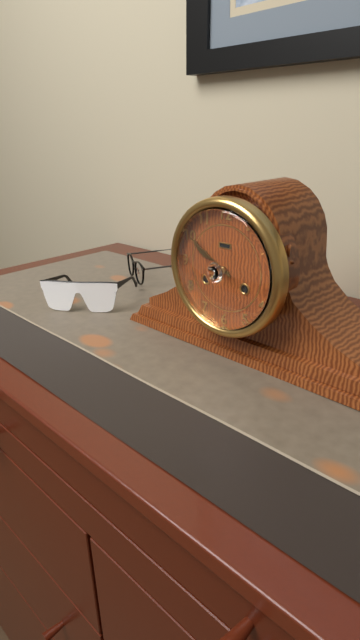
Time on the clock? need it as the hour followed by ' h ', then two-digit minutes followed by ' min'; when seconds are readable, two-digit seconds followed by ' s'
9 h 50 min
